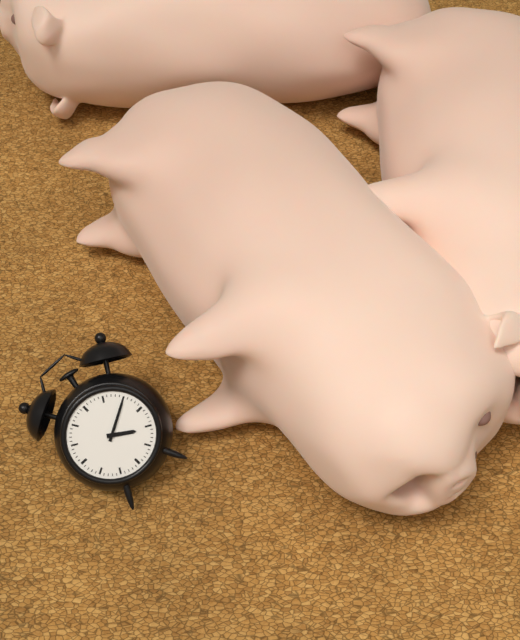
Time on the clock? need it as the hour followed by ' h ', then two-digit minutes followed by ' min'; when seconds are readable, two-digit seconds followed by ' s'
4 h 10 min
